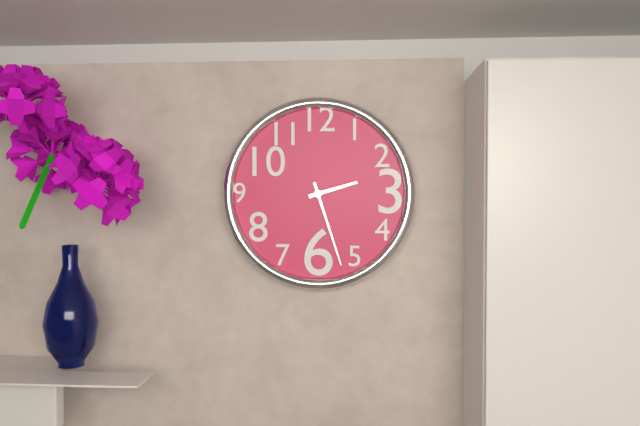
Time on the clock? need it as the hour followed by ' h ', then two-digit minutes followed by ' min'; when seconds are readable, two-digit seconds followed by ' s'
2 h 27 min
